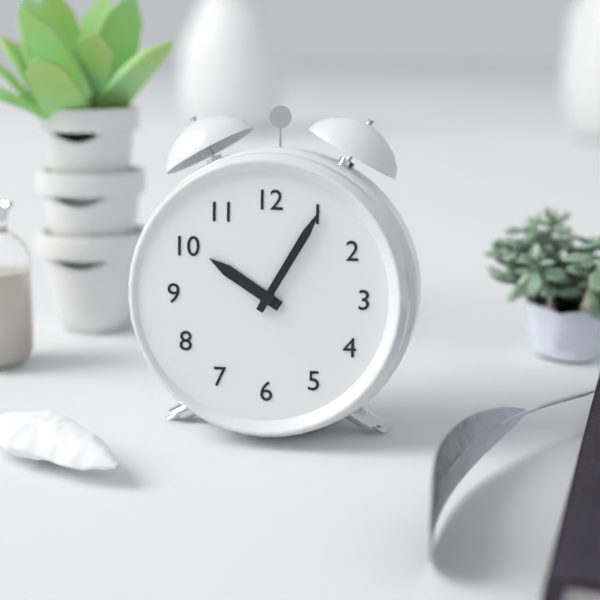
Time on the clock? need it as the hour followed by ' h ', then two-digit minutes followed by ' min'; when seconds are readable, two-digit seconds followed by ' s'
10 h 05 min
